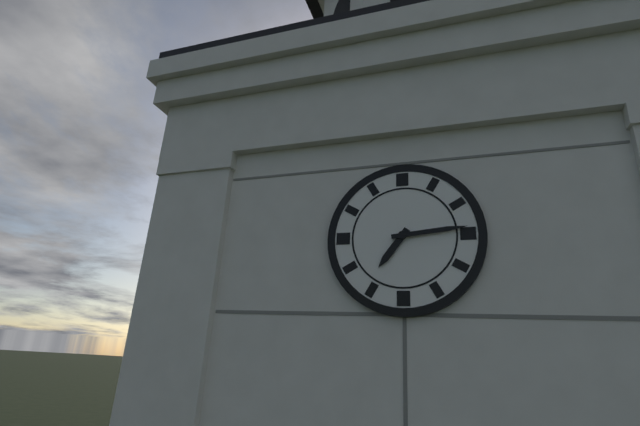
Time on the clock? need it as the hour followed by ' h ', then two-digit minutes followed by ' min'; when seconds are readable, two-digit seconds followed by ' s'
7 h 14 min
